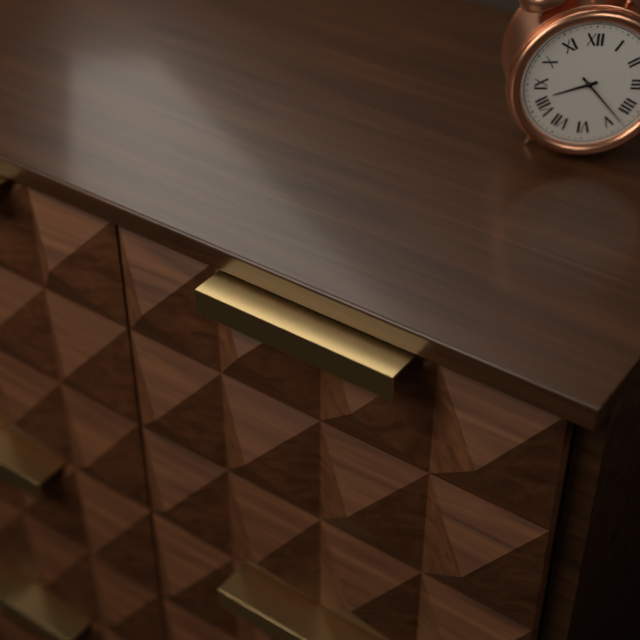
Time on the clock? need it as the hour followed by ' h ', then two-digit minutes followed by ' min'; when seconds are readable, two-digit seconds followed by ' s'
8 h 23 min
